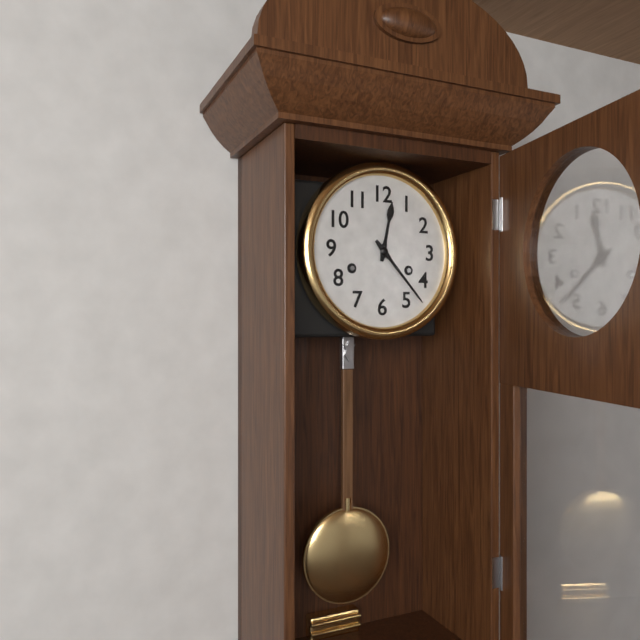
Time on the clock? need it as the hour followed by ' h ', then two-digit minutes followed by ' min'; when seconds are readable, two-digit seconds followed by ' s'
12 h 23 min
